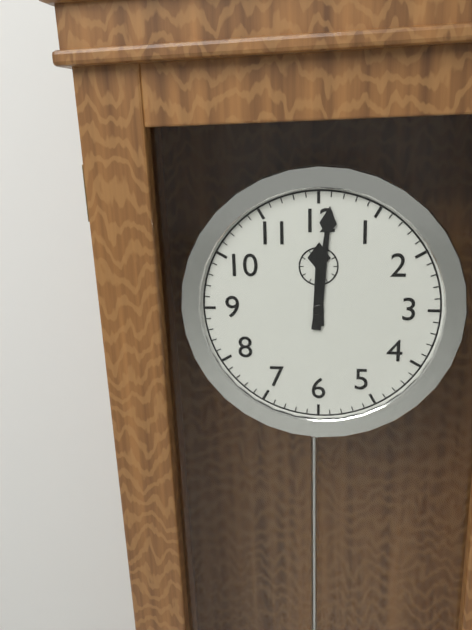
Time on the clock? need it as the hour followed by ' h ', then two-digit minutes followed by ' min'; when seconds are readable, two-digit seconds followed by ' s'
12 h 01 min
